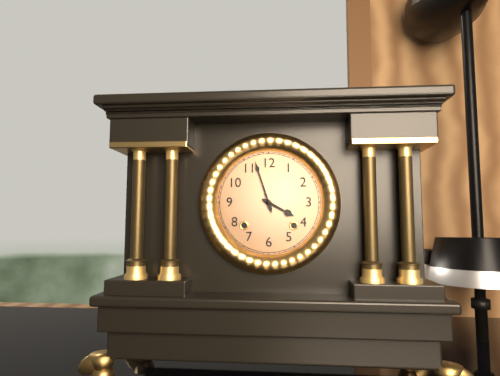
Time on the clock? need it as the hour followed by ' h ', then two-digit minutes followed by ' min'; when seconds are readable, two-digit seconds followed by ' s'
3 h 57 min
